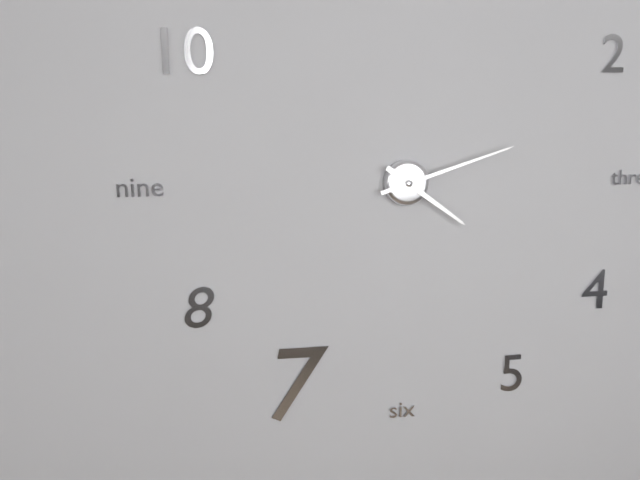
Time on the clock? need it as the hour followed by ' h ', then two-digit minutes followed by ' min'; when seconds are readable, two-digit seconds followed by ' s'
4 h 12 min
